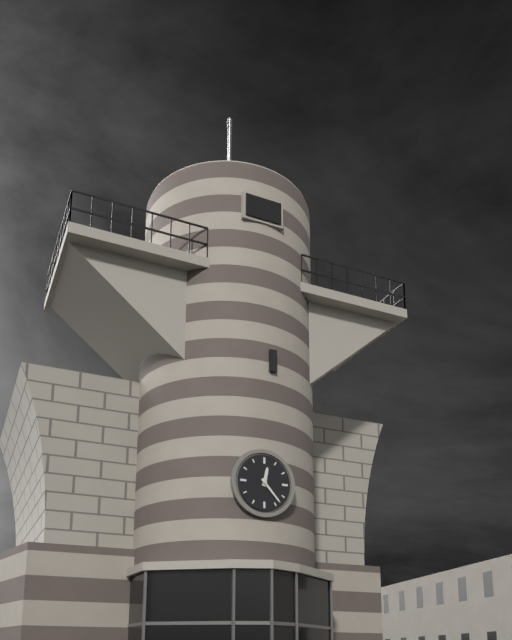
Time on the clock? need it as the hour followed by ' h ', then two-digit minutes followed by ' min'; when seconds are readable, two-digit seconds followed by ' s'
12 h 23 min
